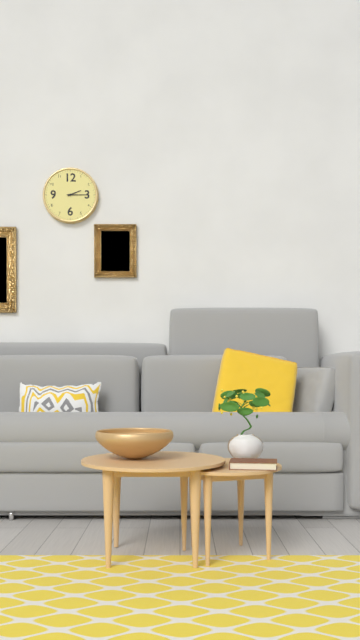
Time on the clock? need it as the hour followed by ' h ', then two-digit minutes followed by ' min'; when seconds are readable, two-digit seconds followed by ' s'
2 h 15 min
